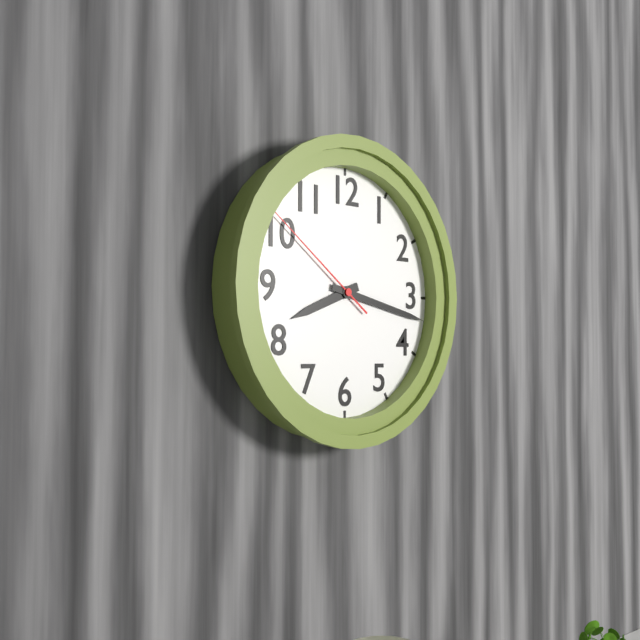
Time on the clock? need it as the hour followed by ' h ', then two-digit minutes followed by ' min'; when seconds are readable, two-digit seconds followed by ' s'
8 h 17 min 51 s
